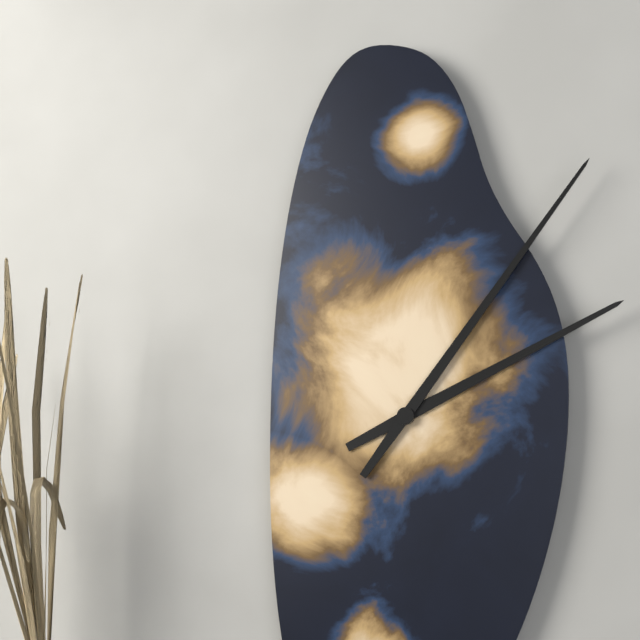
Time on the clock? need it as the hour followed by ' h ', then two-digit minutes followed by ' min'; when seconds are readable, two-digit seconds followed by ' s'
2 h 06 min
